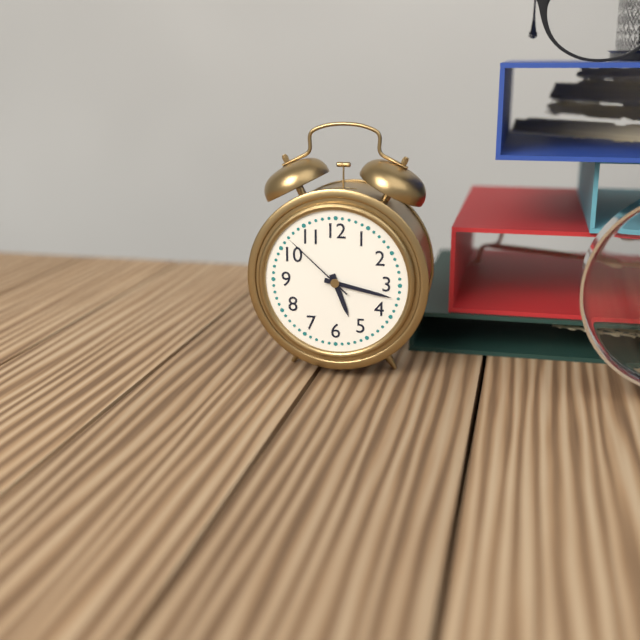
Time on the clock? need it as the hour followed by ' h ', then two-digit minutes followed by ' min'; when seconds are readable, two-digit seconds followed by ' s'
5 h 17 min 52 s
